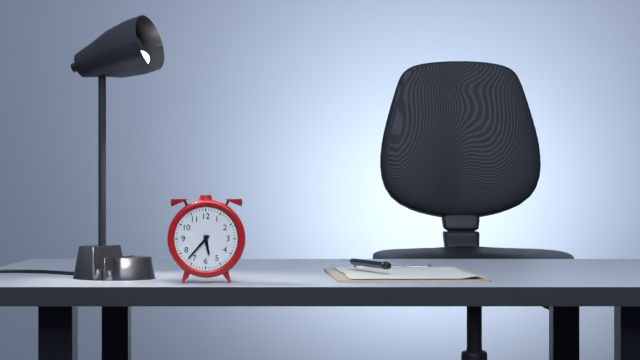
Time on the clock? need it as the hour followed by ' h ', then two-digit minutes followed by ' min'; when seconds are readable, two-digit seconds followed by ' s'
5 h 37 min
